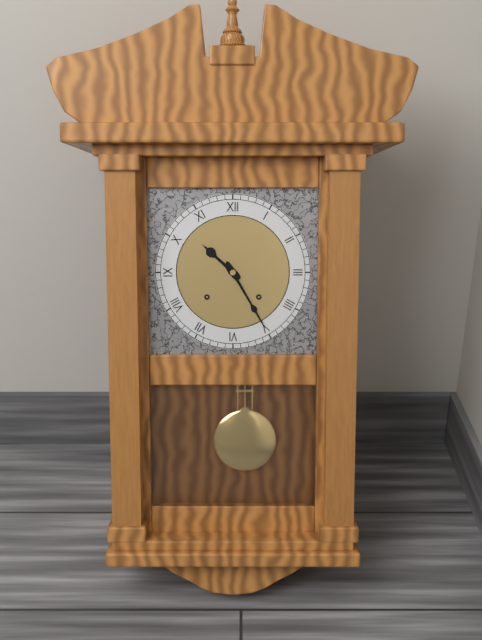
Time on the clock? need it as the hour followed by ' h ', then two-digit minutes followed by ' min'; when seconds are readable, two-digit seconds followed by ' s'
10 h 25 min
